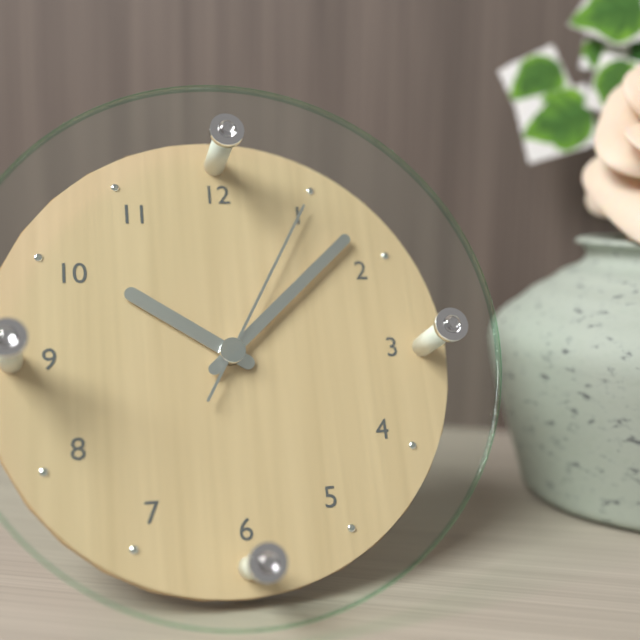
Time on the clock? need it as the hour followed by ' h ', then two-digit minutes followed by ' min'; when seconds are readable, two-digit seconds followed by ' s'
10 h 08 min 05 s
